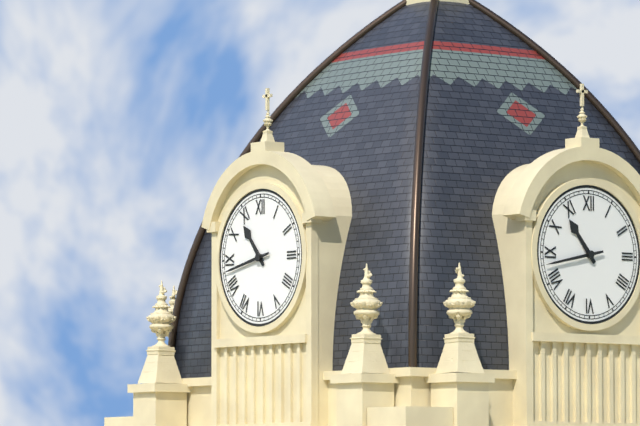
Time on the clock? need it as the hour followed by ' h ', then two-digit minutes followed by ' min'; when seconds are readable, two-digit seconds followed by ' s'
10 h 43 min
